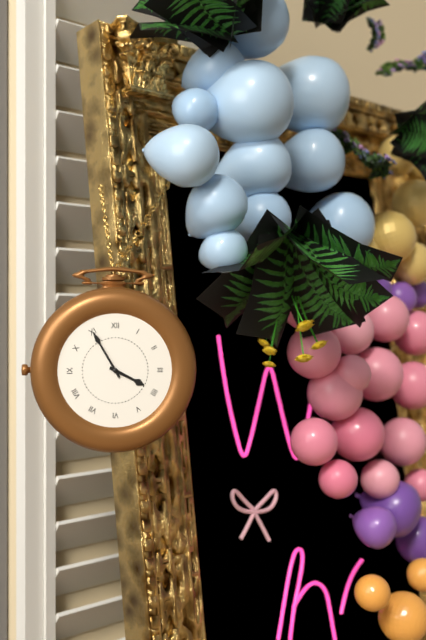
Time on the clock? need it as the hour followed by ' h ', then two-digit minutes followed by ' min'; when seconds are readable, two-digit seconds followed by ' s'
3 h 55 min
